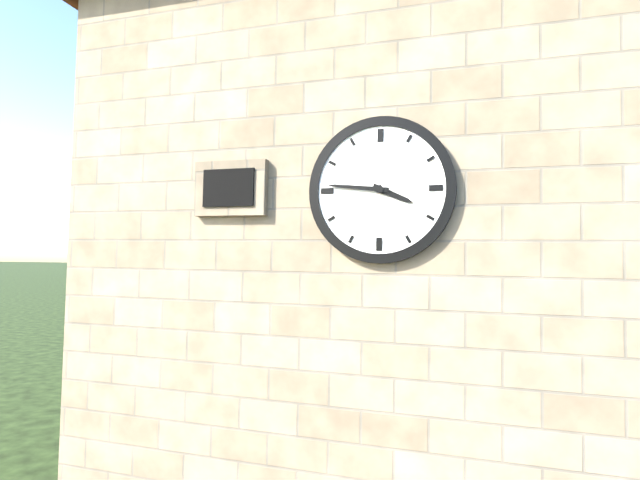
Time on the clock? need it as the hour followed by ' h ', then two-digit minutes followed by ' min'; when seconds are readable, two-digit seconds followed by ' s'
3 h 46 min
